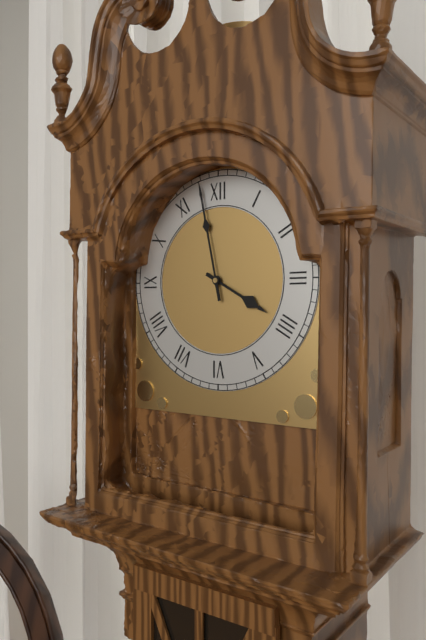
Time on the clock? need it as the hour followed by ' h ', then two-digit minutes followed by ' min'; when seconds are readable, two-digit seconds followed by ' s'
3 h 58 min
